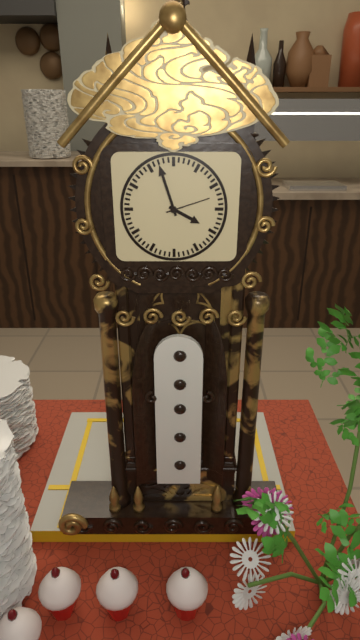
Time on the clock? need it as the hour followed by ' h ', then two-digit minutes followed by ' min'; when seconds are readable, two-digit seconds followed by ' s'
3 h 57 min
